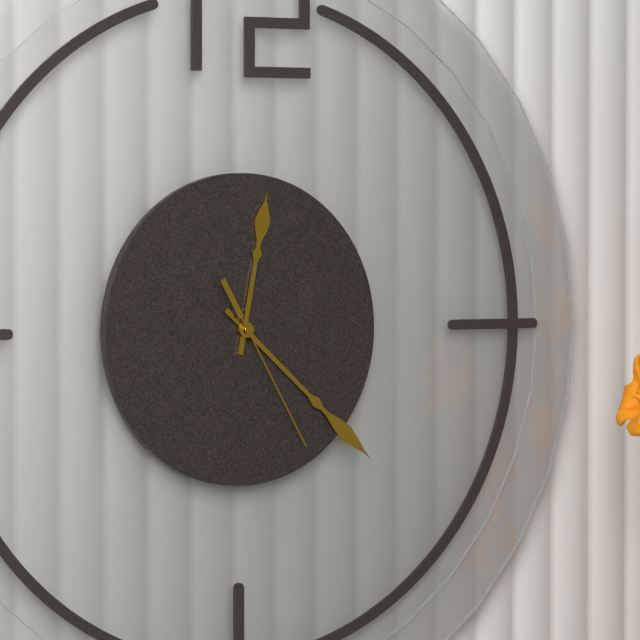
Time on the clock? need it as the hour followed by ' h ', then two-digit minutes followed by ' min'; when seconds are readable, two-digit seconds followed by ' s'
12 h 22 min 25 s
